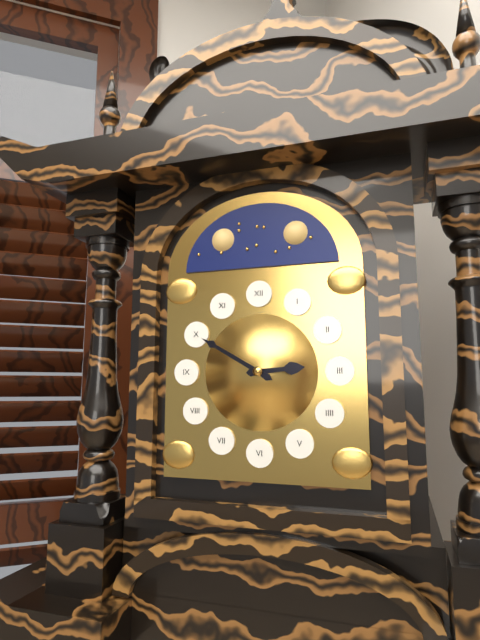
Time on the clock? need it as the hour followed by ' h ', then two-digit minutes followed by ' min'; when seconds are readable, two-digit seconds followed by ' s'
2 h 50 min
